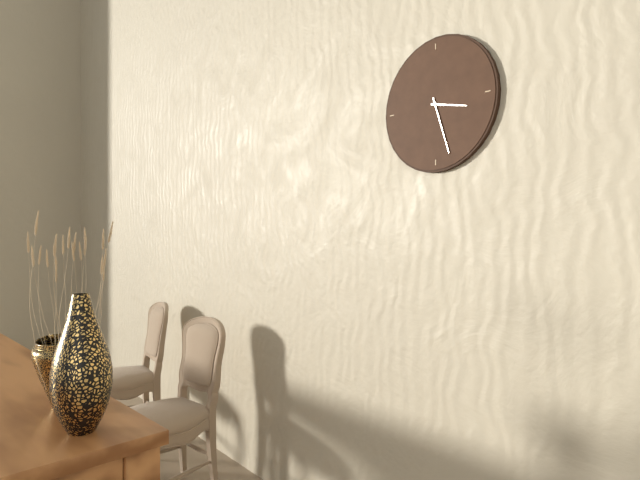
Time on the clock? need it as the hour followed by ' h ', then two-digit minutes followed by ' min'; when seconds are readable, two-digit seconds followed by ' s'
3 h 27 min
